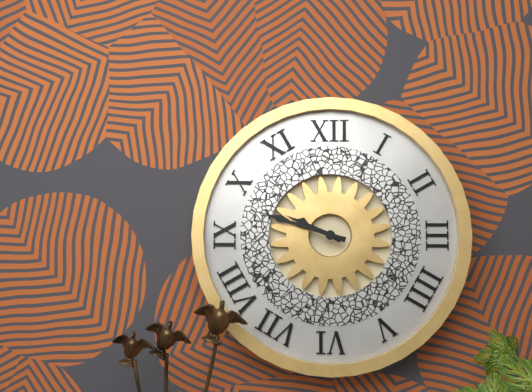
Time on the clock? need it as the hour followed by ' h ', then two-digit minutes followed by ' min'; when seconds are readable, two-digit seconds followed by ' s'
9 h 48 min
